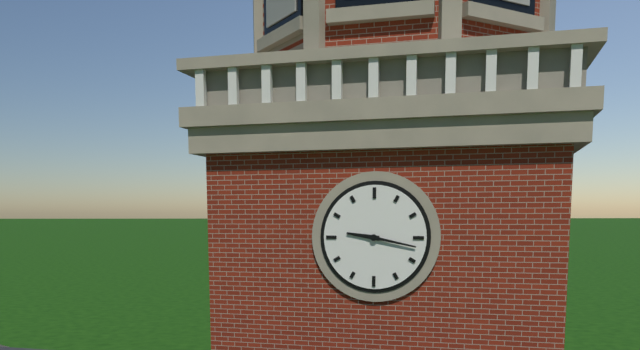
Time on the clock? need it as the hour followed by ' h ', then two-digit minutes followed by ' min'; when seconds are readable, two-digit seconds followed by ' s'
9 h 17 min
